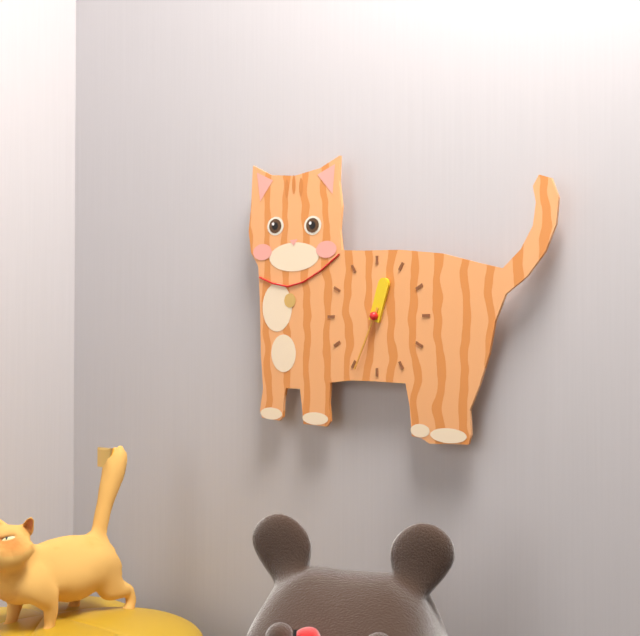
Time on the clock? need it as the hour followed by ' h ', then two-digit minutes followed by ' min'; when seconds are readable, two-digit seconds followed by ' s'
12 h 34 min
